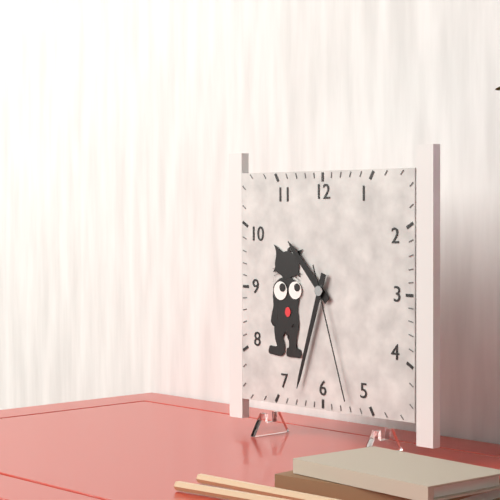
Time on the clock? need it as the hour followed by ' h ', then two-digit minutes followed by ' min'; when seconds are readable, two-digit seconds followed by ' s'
10 h 33 min 27 s
